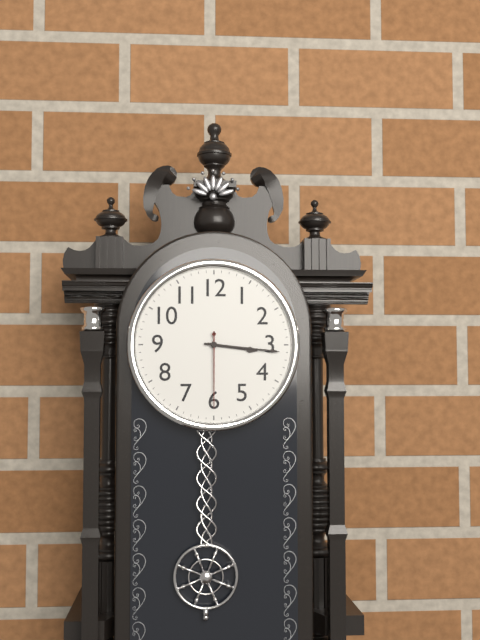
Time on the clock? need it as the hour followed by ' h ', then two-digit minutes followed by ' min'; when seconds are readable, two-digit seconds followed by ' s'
3 h 16 min 30 s
